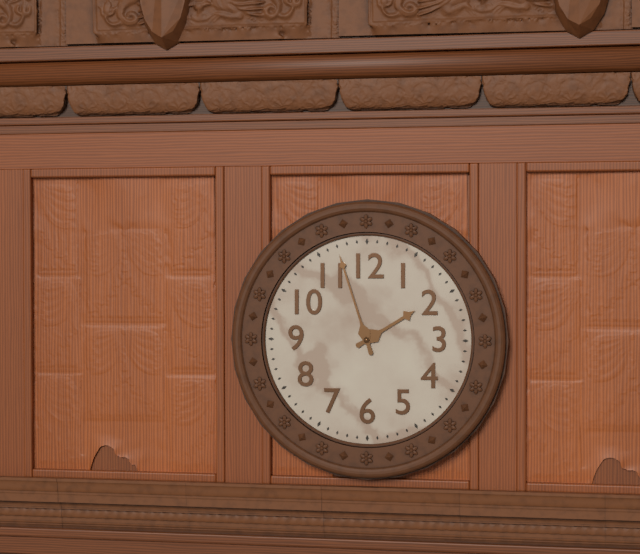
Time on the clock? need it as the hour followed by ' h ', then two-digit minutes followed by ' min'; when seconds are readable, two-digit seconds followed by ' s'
1 h 57 min
